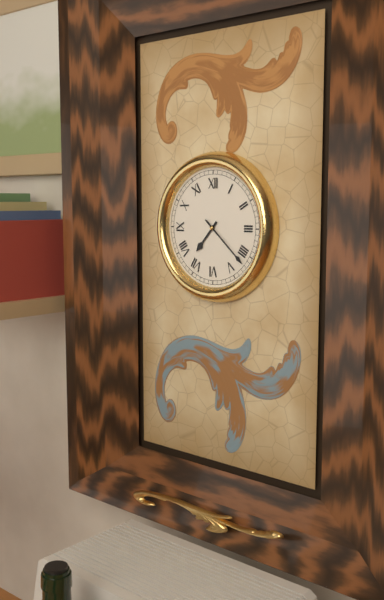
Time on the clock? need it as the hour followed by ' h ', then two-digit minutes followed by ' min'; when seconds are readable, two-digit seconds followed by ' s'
7 h 22 min
